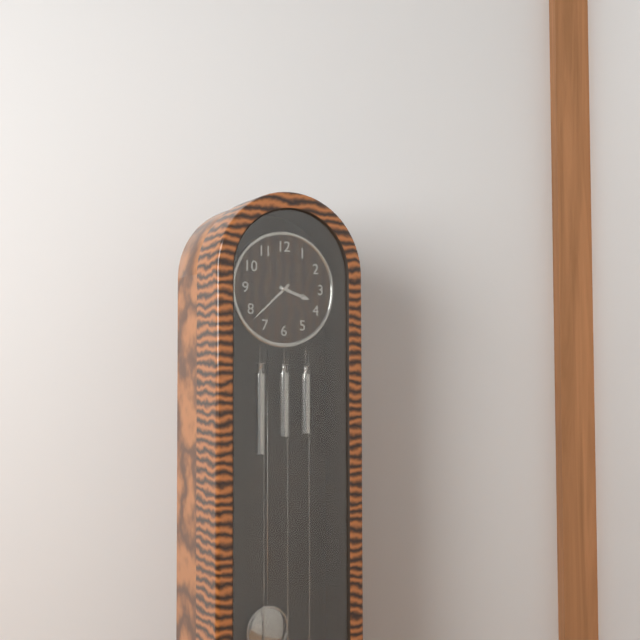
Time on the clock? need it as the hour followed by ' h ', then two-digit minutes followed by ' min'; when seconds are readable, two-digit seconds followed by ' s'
3 h 38 min
